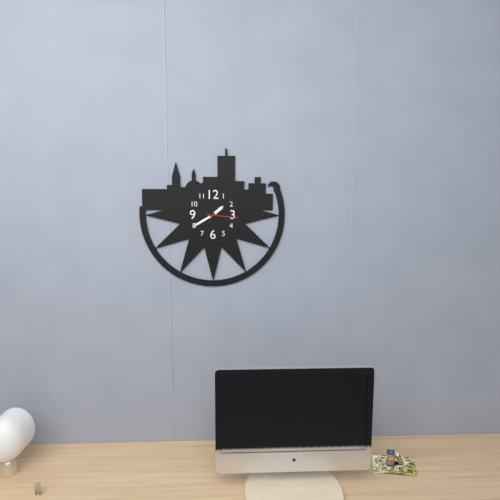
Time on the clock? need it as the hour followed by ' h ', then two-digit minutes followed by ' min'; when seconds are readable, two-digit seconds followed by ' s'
1 h 40 min
